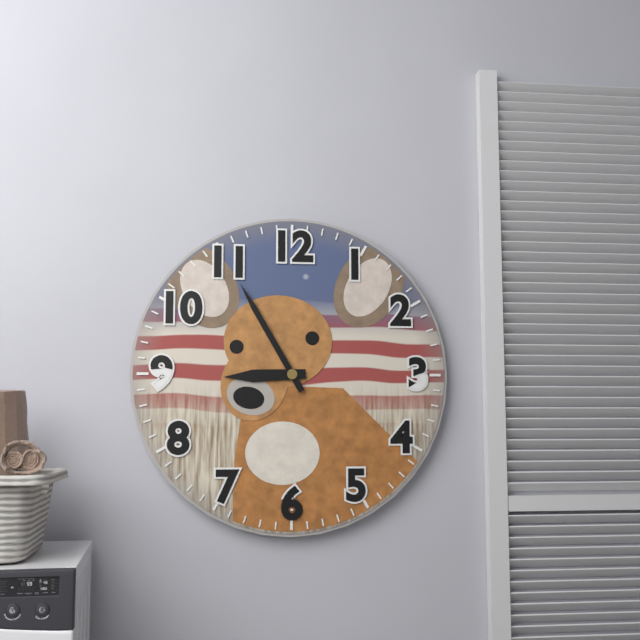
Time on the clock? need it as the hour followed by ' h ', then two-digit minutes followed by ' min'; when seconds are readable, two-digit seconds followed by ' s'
8 h 55 min
